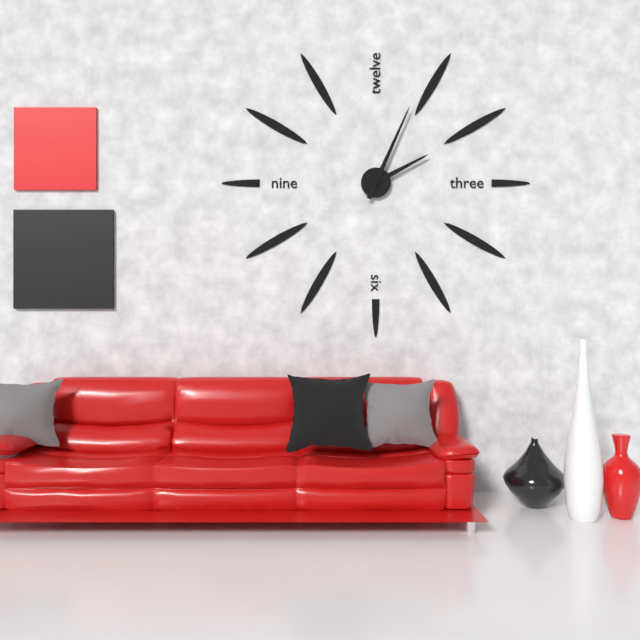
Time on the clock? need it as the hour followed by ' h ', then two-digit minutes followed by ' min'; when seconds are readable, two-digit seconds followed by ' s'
2 h 04 min
